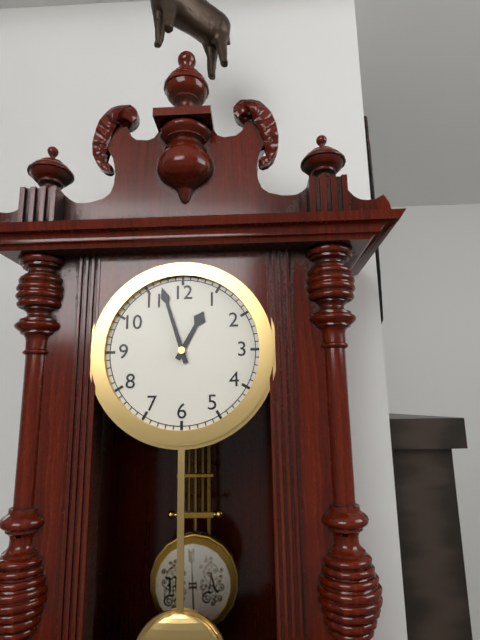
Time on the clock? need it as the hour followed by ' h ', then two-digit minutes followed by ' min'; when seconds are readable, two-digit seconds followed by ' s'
12 h 57 min
